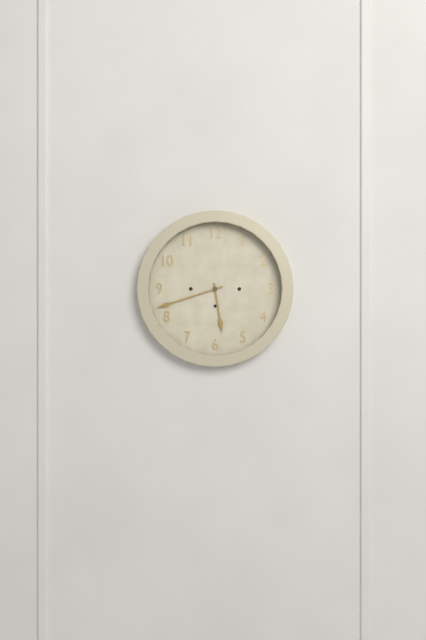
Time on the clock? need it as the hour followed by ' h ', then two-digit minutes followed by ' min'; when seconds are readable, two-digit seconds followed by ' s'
5 h 42 min
